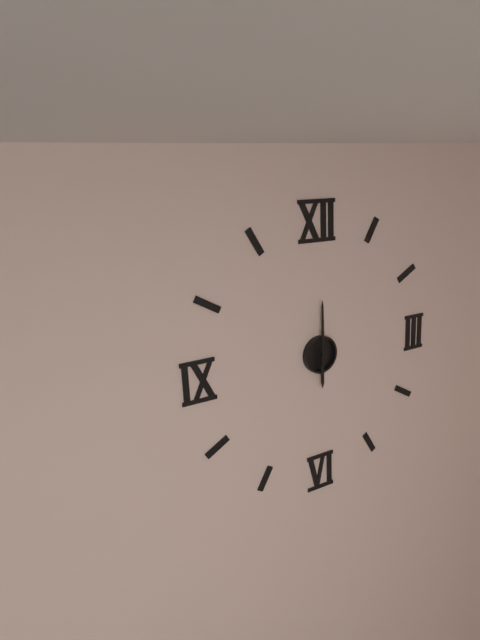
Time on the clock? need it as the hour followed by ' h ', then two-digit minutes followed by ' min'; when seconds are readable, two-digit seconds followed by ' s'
6 h 00 min
